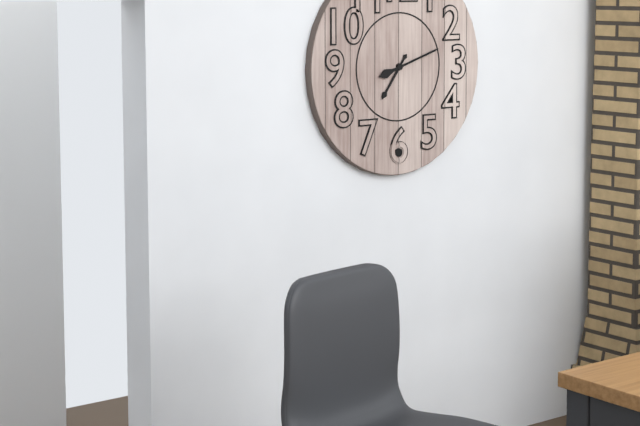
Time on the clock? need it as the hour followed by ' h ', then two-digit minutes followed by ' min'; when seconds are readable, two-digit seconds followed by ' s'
7 h 12 min
